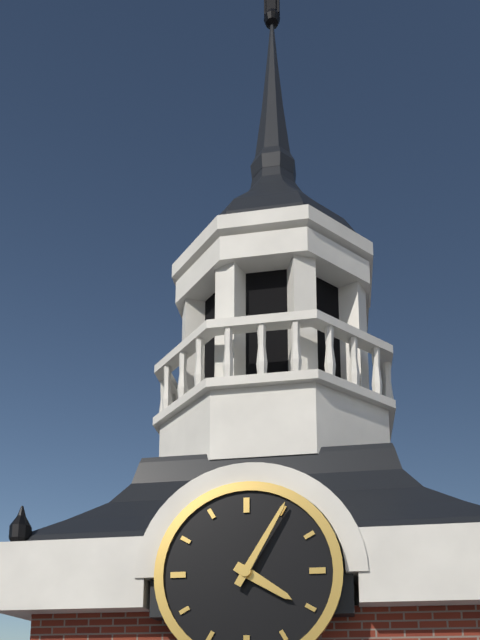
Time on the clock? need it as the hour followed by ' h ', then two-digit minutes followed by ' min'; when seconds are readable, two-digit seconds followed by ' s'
4 h 05 min
